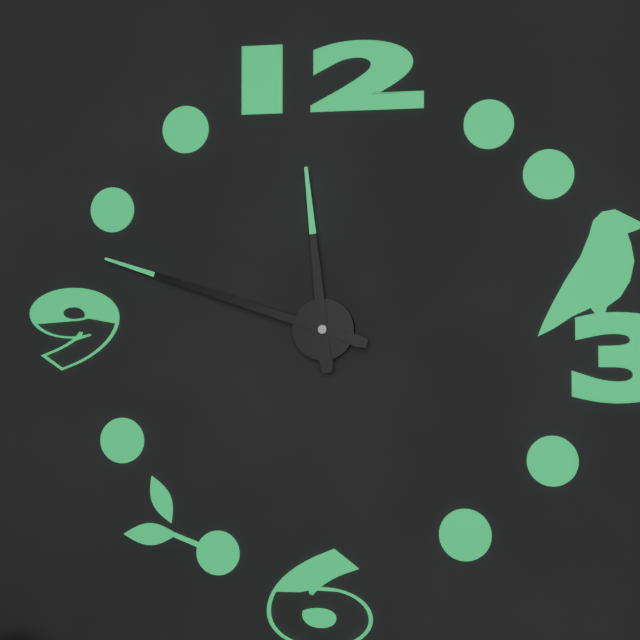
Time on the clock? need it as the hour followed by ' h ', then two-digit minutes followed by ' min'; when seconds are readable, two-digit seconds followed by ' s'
11 h 48 min
